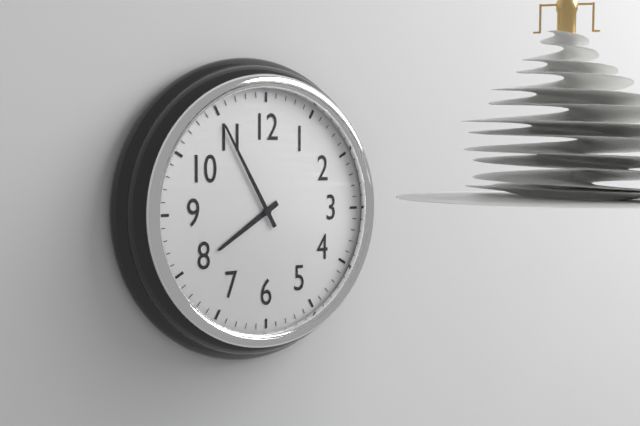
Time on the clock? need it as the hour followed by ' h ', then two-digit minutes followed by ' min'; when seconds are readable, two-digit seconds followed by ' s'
7 h 55 min
